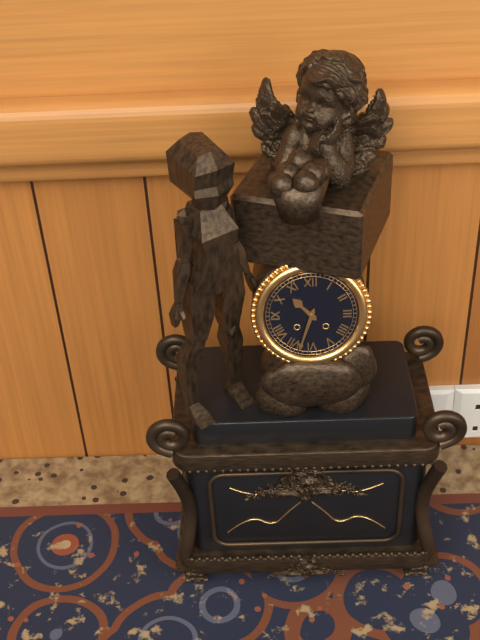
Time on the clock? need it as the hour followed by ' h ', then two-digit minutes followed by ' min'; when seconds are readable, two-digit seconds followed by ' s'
10 h 33 min
